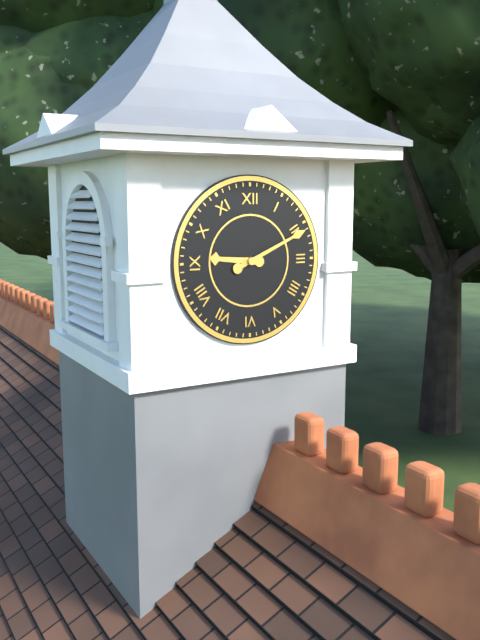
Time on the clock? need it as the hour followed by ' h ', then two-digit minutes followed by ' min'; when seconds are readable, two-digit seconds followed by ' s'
9 h 11 min
